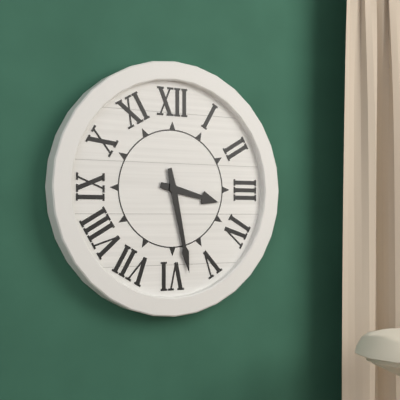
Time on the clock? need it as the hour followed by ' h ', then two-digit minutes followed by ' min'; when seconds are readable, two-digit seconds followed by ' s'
3 h 28 min
